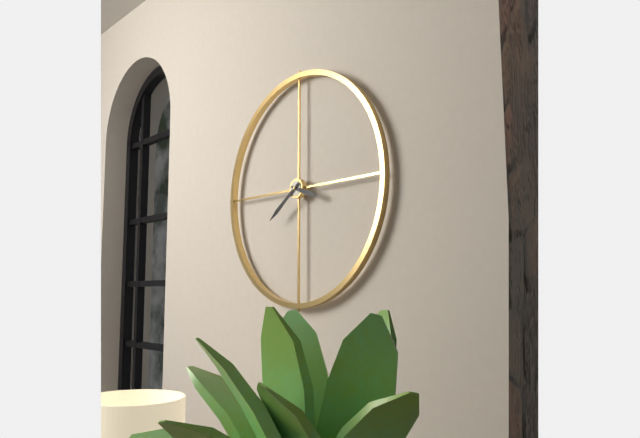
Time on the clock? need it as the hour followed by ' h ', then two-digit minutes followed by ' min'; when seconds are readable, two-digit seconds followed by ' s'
3 h 39 min
